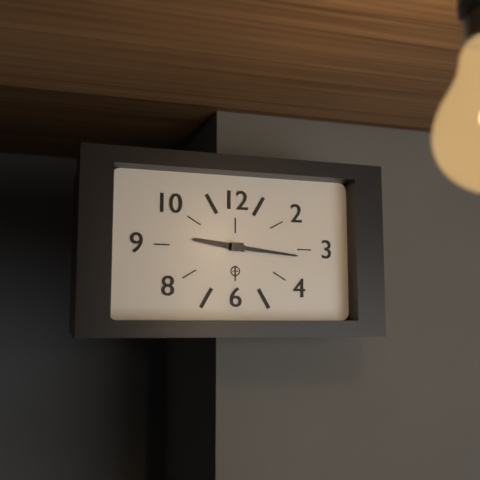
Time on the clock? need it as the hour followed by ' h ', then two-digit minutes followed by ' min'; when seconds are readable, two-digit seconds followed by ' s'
9 h 16 min
